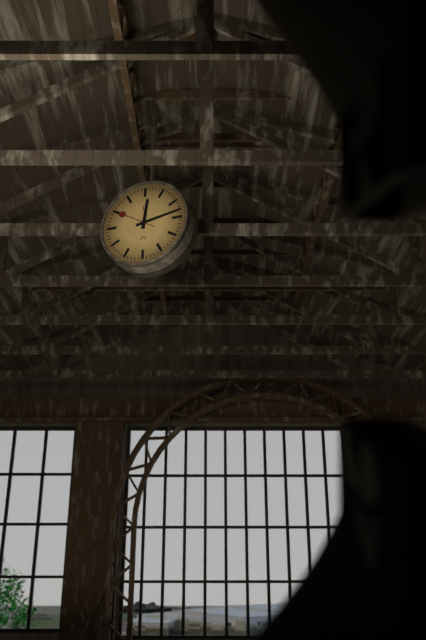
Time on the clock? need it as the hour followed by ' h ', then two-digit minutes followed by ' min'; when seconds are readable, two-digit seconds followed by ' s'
12 h 13 min
